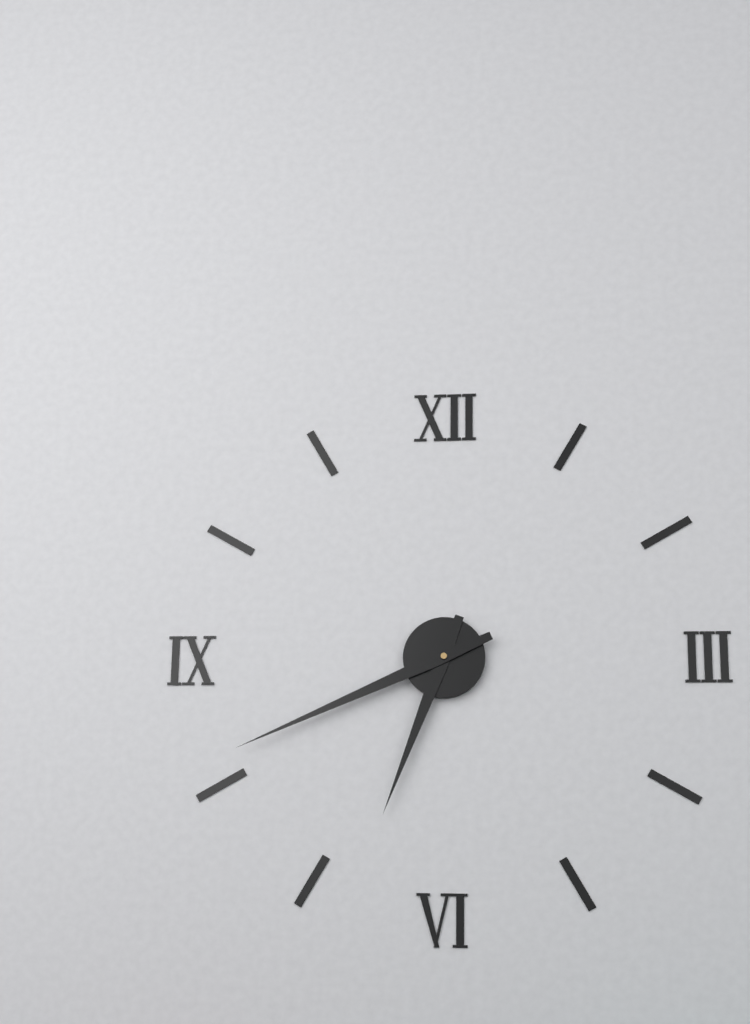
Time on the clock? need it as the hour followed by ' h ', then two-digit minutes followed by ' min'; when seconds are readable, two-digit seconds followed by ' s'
6 h 41 min
